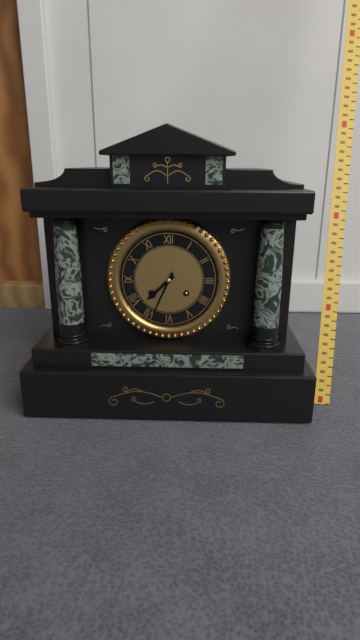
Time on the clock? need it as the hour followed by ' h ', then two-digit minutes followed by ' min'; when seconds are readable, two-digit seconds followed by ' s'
7 h 34 min
